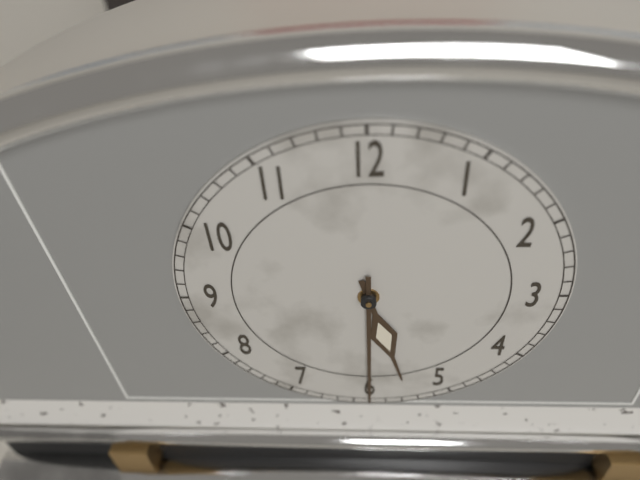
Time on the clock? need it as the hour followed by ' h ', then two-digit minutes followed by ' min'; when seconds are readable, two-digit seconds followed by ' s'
5 h 30 min
